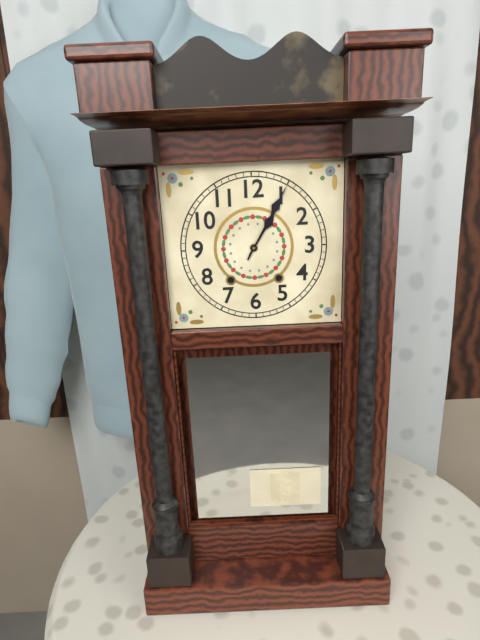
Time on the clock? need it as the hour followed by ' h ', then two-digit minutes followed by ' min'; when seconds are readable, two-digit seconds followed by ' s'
1 h 05 min
